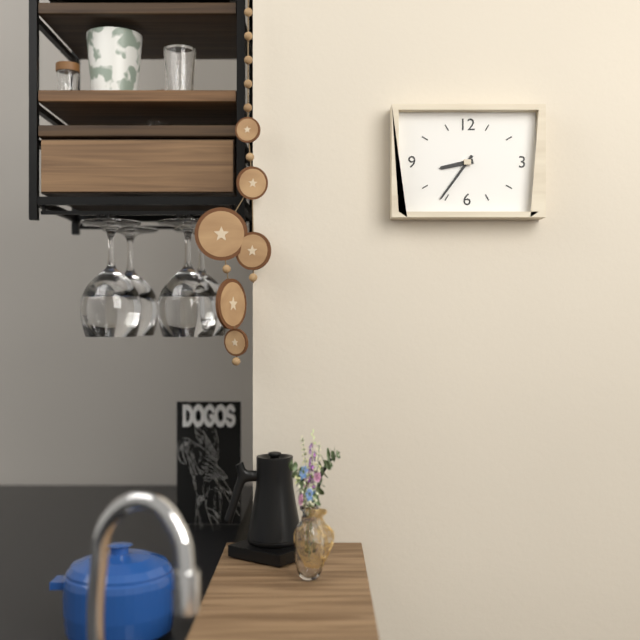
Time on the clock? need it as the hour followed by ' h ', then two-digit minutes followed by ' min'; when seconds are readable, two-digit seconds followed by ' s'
8 h 36 min
